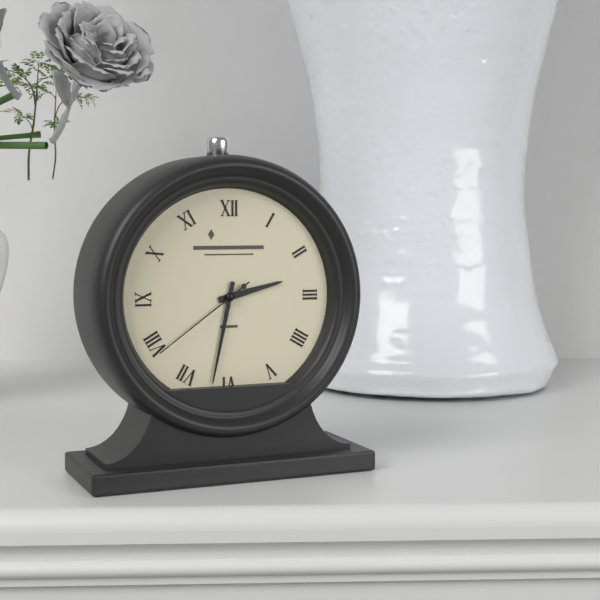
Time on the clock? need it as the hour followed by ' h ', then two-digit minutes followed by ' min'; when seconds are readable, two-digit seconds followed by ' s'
2 h 32 min 39 s
